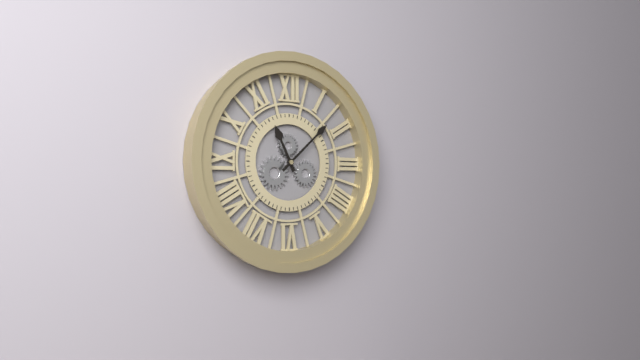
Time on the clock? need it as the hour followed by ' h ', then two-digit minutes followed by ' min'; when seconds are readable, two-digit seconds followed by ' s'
11 h 08 min
